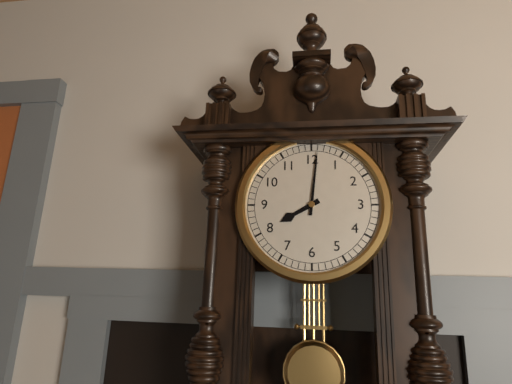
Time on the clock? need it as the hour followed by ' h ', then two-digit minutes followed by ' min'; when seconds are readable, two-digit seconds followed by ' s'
8 h 01 min
